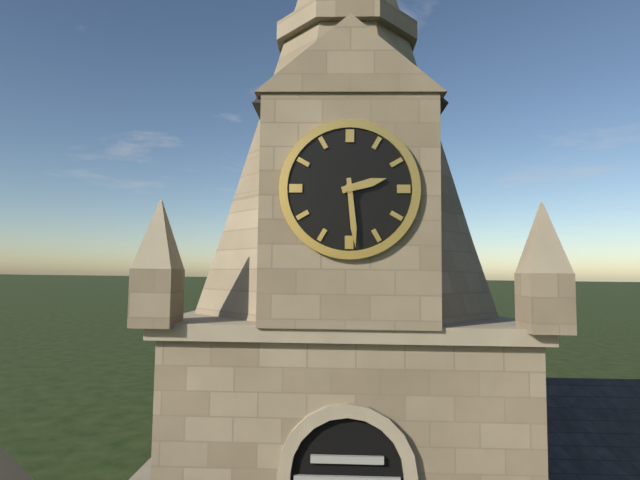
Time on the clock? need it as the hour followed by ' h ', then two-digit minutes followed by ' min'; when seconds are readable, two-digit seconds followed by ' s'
2 h 29 min
